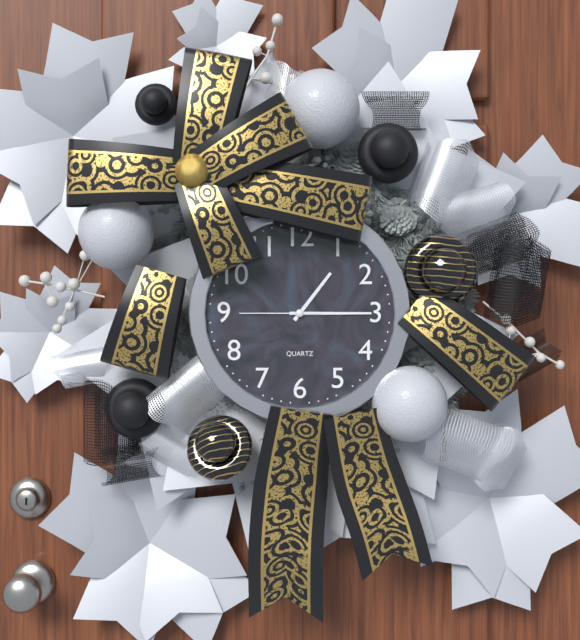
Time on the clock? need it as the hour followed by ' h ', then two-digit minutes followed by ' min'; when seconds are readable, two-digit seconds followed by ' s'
1 h 15 min 45 s
